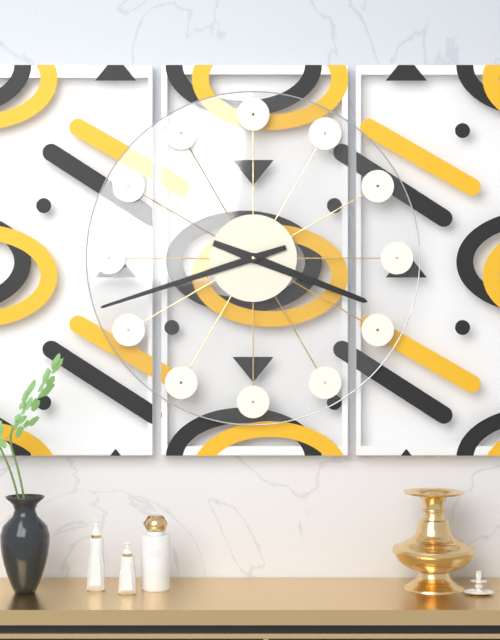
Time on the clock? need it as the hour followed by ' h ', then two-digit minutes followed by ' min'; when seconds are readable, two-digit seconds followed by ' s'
3 h 42 min
